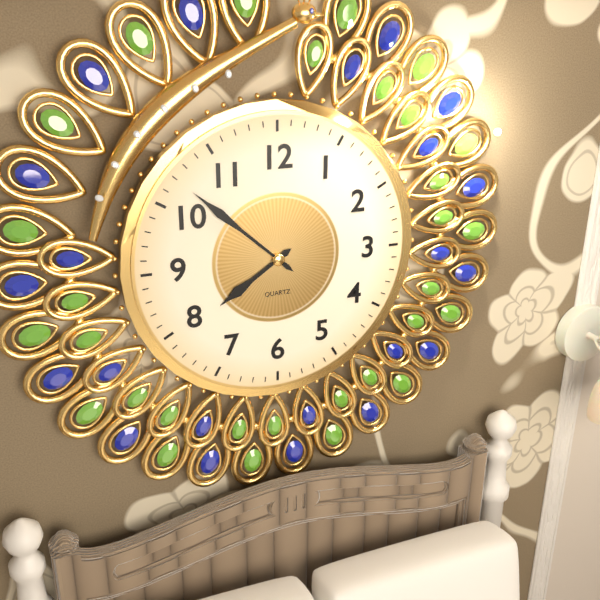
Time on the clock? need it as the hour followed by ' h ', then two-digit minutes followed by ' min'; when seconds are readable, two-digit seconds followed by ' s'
7 h 52 min
